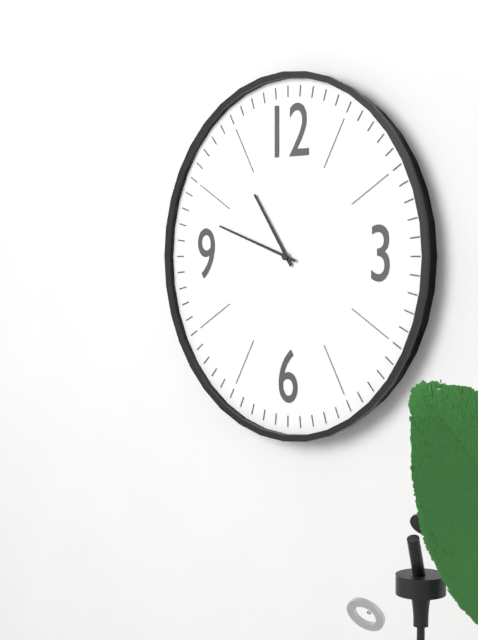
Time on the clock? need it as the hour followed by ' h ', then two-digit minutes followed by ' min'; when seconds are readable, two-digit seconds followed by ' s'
10 h 48 min
